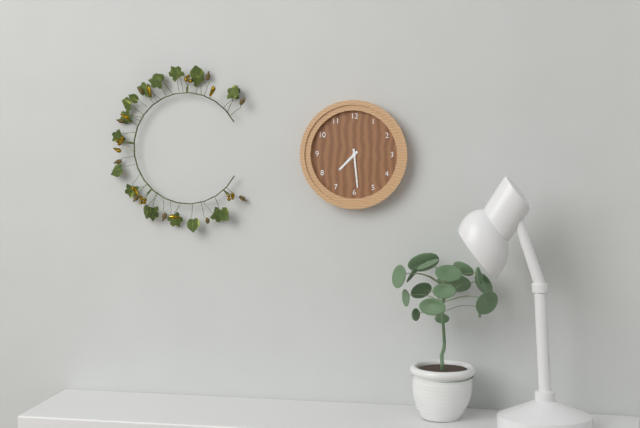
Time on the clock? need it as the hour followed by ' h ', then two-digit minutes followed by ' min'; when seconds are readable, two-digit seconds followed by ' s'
7 h 29 min
